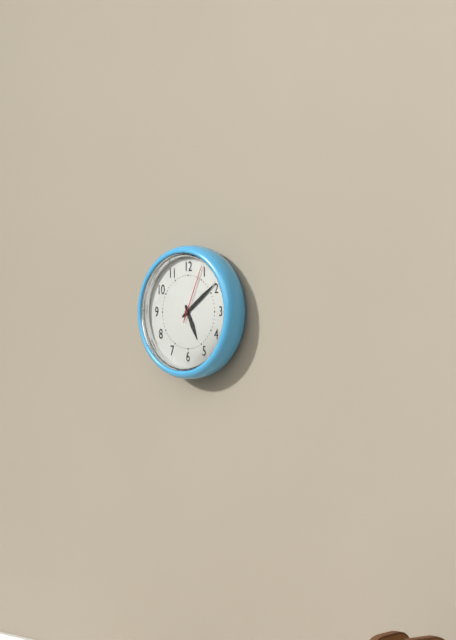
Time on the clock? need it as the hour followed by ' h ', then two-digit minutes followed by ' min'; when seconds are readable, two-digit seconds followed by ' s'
5 h 09 min 04 s
